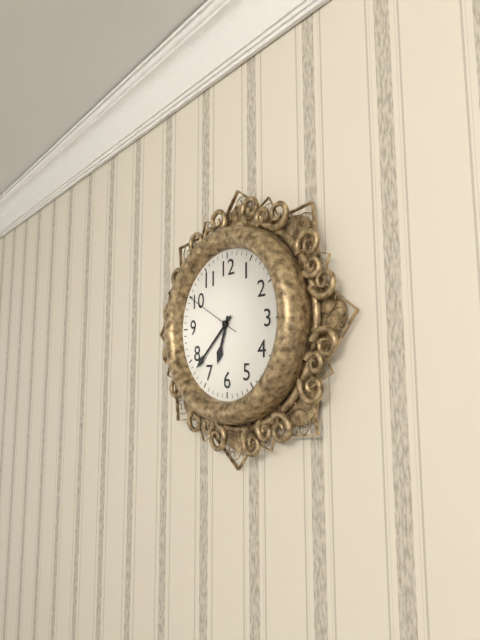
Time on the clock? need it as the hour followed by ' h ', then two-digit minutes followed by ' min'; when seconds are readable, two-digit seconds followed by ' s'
6 h 38 min 50 s
